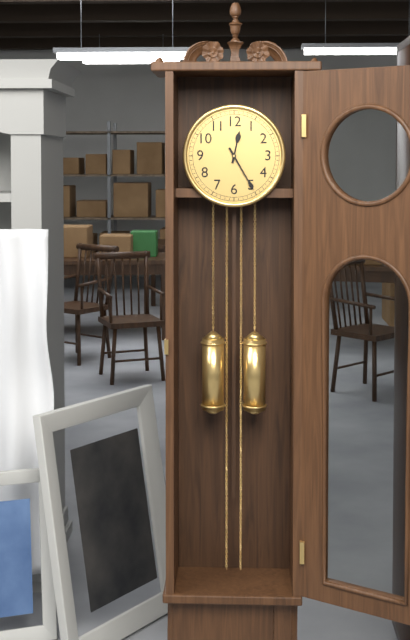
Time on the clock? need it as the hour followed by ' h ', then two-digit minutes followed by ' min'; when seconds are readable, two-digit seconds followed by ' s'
12 h 25 min
